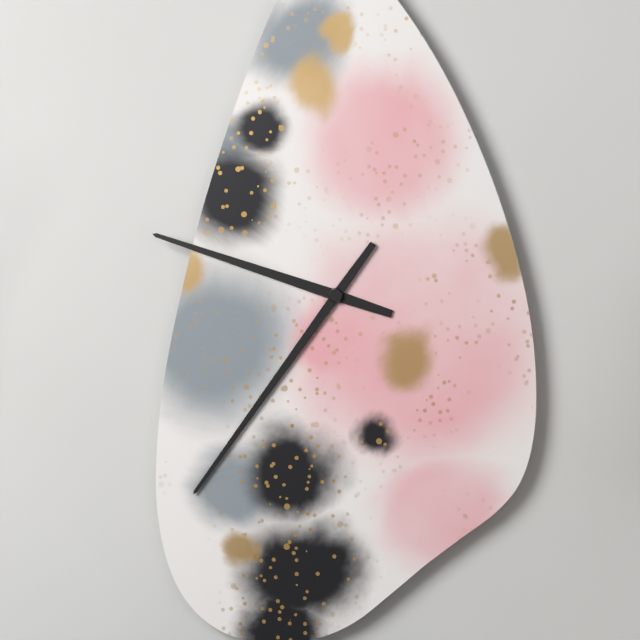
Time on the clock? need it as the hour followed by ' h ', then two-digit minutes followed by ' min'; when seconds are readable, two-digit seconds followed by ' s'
9 h 36 min
